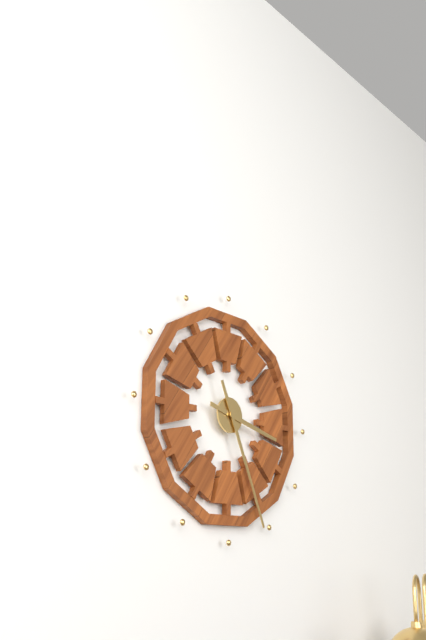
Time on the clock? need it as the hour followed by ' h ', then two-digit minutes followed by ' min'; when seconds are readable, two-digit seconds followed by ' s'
3 h 26 min
